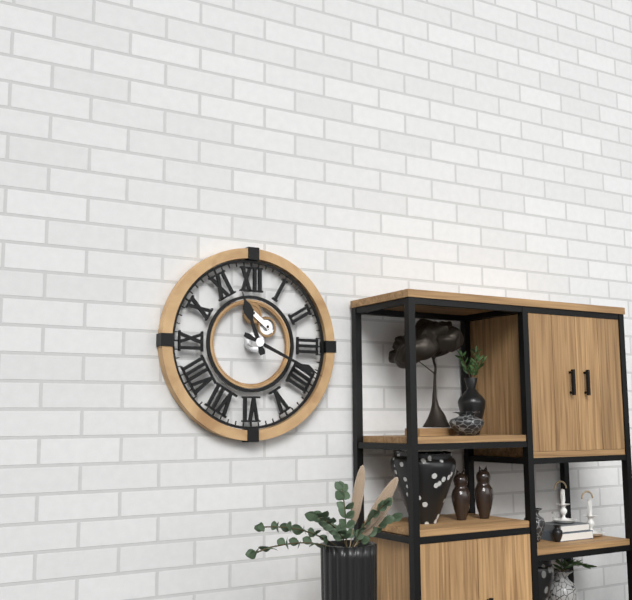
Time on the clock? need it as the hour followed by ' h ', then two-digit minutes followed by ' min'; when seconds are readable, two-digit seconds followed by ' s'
11 h 19 min
